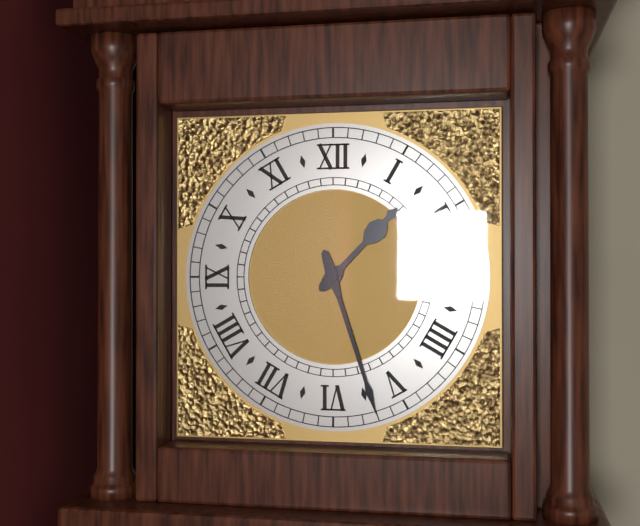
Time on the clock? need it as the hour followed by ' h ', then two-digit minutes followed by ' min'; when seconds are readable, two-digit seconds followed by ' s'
1 h 27 min
